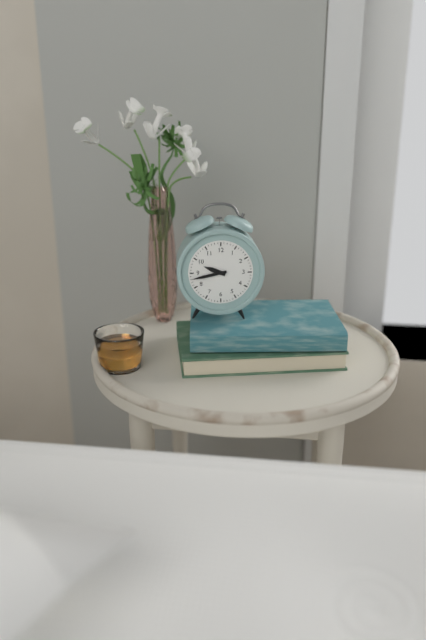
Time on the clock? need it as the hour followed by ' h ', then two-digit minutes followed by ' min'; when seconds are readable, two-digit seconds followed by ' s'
9 h 43 min
